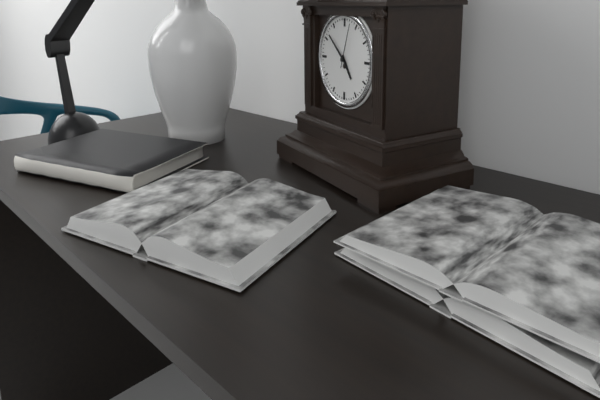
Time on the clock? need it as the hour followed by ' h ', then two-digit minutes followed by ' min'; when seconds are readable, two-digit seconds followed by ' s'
4 h 52 min
